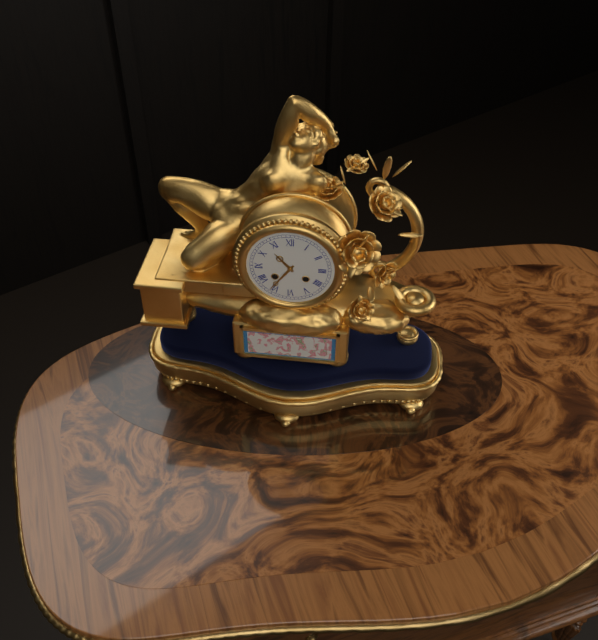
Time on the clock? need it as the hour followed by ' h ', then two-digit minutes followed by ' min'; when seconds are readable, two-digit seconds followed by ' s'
10 h 36 min
